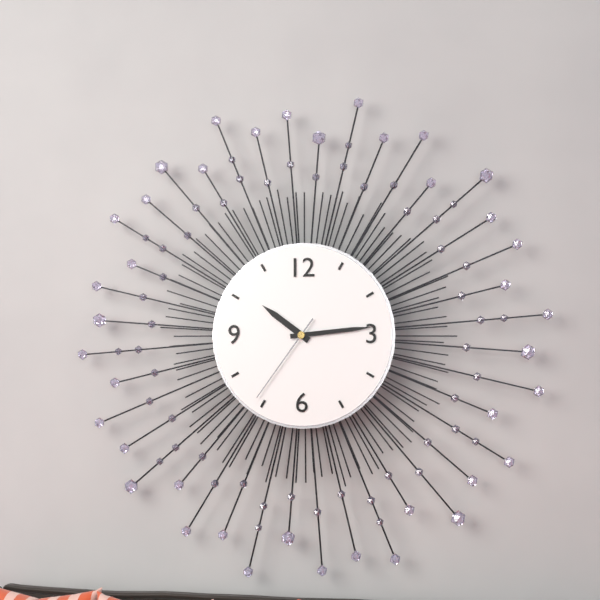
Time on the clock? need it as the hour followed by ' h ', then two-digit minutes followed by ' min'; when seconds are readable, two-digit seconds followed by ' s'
10 h 14 min 36 s
